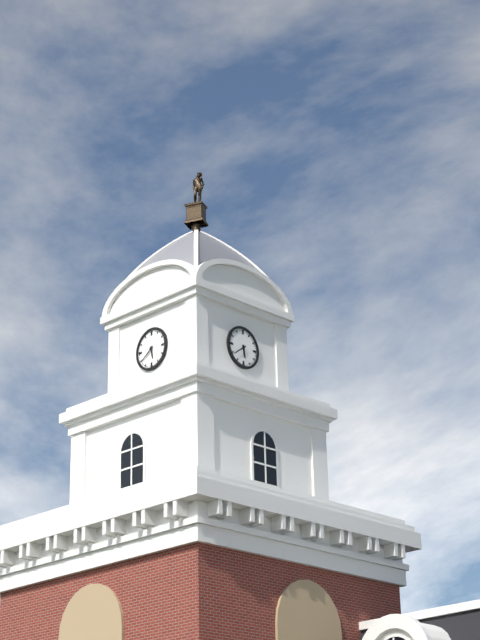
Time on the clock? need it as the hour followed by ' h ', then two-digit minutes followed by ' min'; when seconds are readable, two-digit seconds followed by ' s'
5 h 39 min
